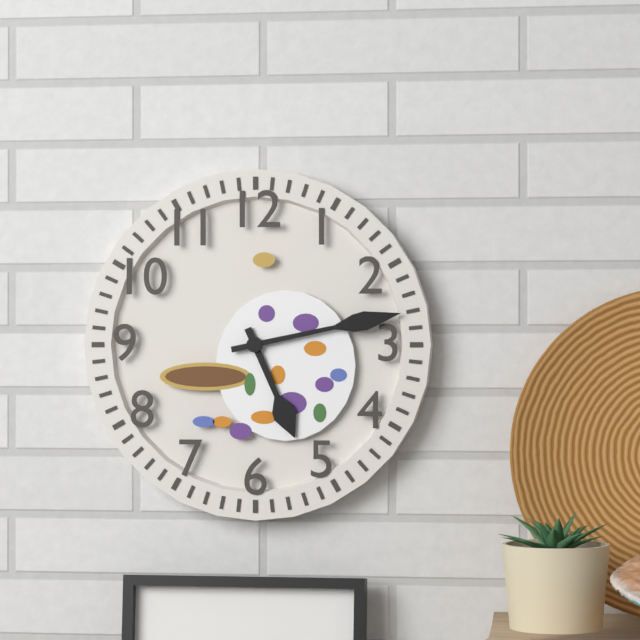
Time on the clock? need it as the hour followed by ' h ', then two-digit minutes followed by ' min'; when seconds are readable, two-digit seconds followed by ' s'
5 h 13 min
